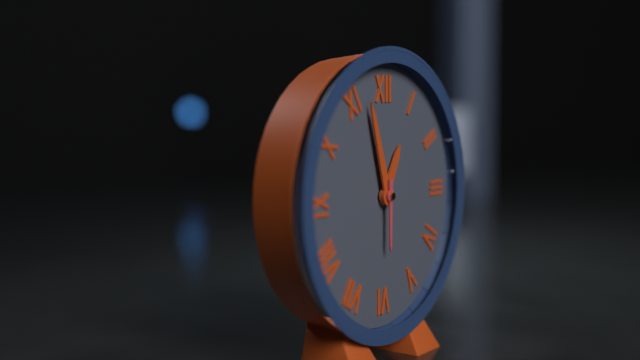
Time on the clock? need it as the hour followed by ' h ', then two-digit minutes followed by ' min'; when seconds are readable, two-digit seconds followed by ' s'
12 h 57 min 30 s
